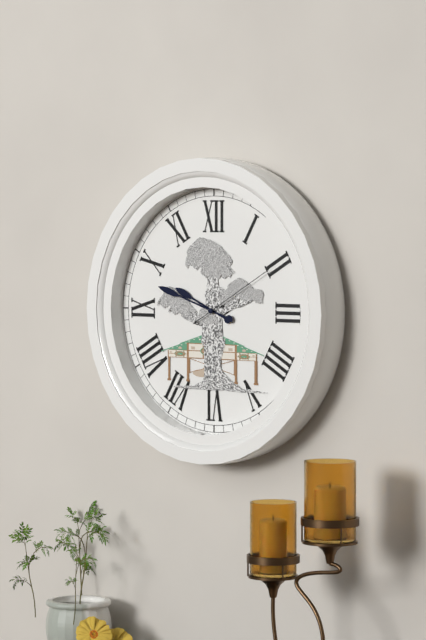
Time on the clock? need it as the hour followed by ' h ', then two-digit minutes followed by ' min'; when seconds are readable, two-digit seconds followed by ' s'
9 h 48 min 10 s
